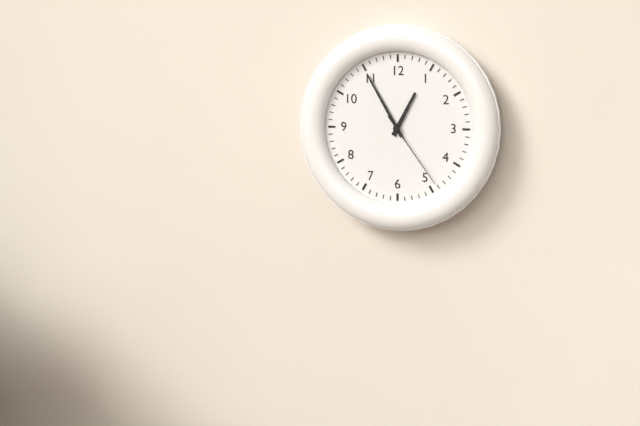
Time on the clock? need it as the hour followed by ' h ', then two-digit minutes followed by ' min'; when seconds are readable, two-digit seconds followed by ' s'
12 h 55 min 24 s
